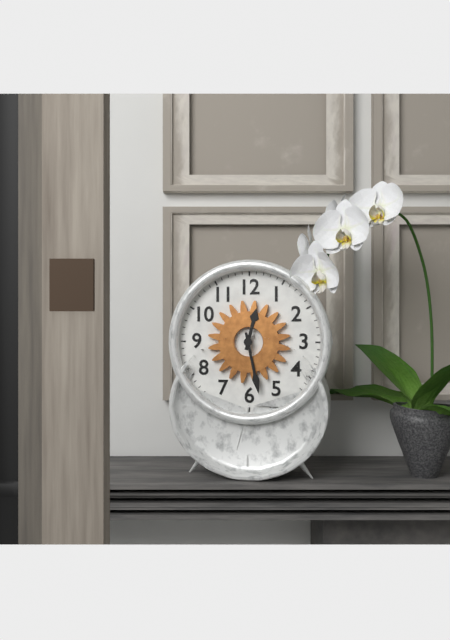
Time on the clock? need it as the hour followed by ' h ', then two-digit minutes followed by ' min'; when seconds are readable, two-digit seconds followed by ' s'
12 h 28 min
